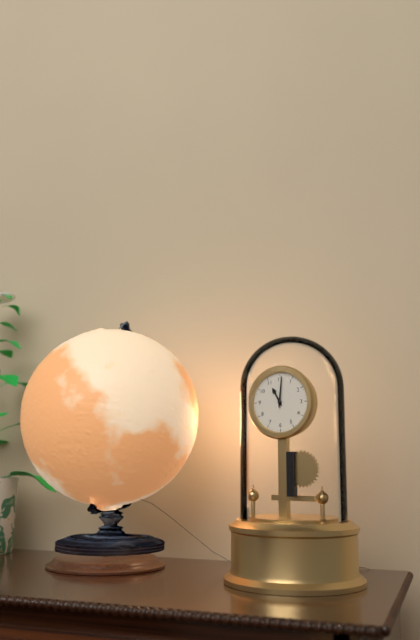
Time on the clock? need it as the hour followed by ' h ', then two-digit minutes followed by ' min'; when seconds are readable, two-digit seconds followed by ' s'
11 h 01 min
